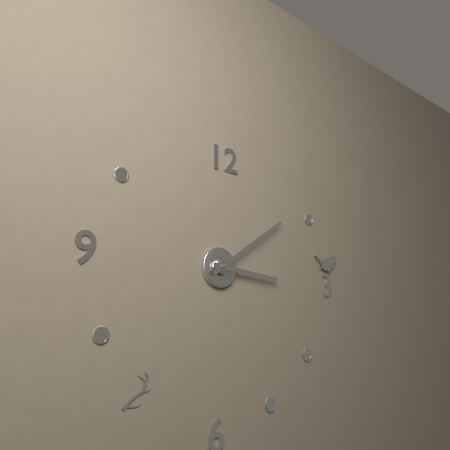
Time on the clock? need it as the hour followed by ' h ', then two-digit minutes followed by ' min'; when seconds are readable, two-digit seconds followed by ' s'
3 h 09 min
